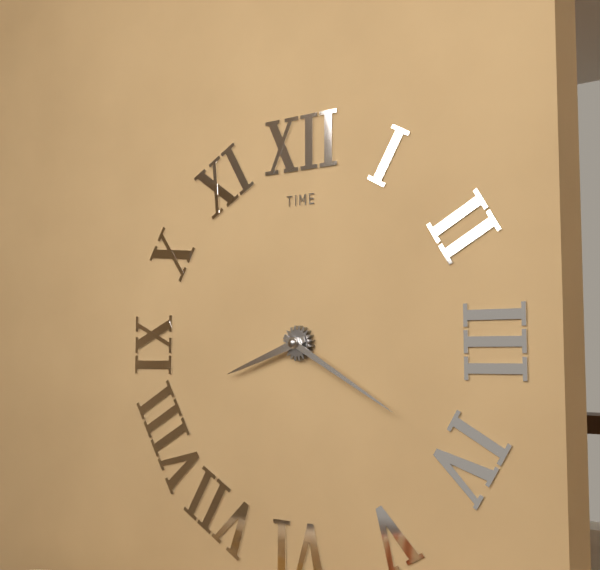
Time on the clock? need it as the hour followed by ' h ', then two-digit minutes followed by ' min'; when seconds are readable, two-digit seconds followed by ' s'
8 h 20 min
